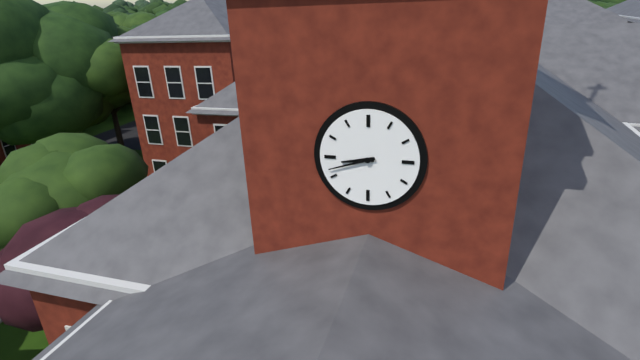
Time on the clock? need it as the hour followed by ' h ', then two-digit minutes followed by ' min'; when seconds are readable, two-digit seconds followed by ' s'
8 h 42 min
